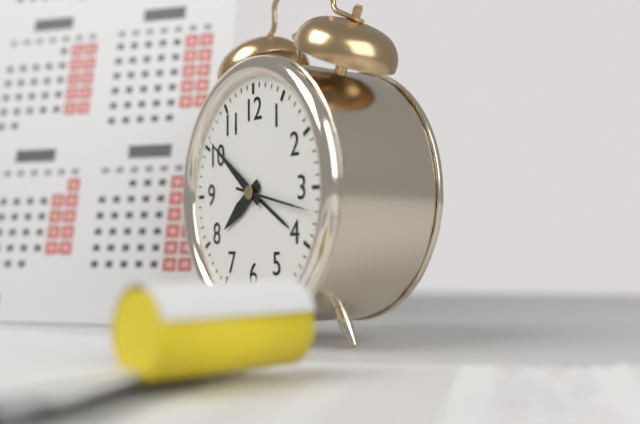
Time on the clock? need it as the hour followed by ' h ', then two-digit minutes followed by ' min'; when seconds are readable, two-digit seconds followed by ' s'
7 h 51 min 17 s
